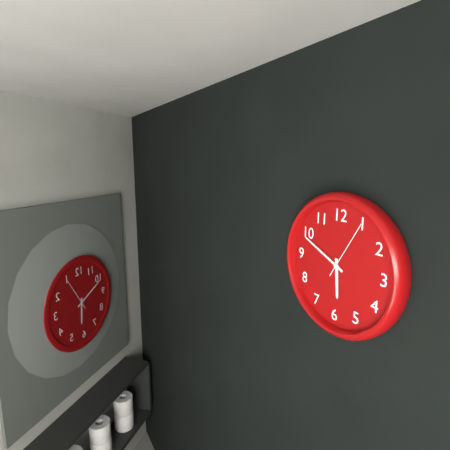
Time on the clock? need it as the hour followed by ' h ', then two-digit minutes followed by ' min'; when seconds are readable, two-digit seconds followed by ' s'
5 h 49 min 05 s
